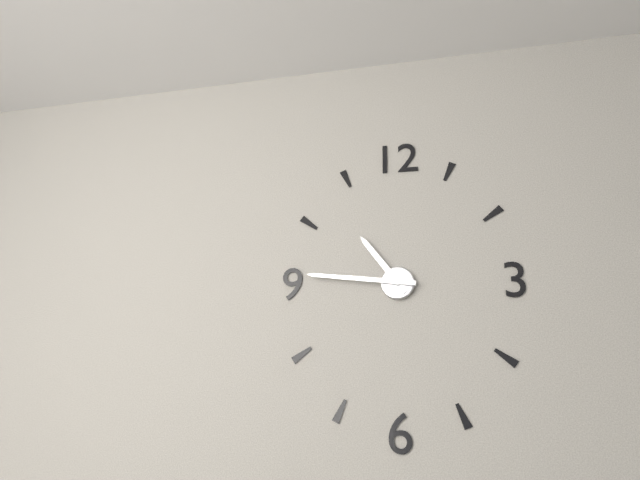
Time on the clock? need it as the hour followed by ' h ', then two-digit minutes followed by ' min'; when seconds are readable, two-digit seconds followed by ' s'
10 h 46 min
